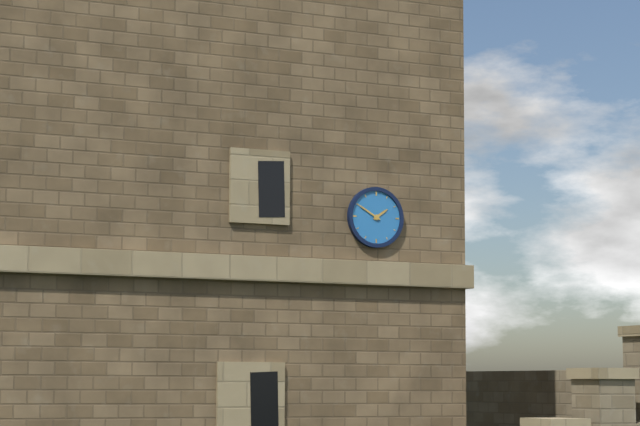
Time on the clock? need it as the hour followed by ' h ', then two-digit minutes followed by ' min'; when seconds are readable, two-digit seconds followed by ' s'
1 h 50 min
